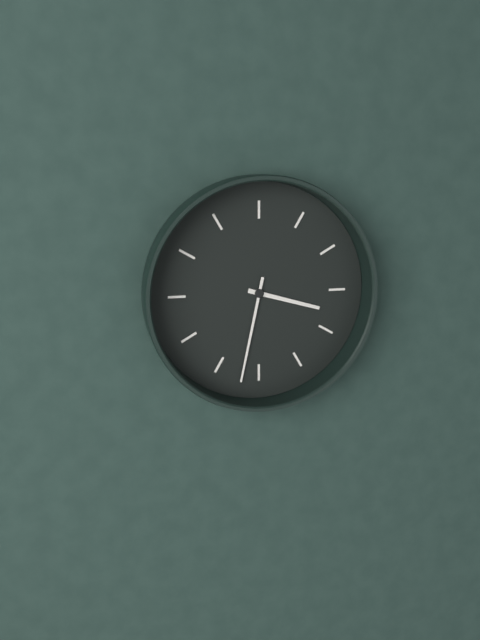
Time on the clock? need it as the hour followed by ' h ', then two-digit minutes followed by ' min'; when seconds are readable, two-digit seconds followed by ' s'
3 h 32 min
